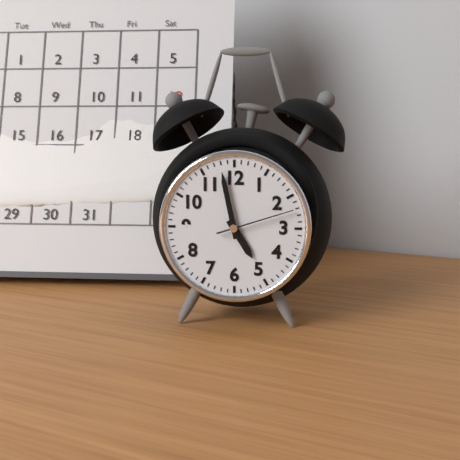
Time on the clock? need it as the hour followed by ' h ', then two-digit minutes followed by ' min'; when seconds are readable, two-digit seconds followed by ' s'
4 h 58 min 12 s
